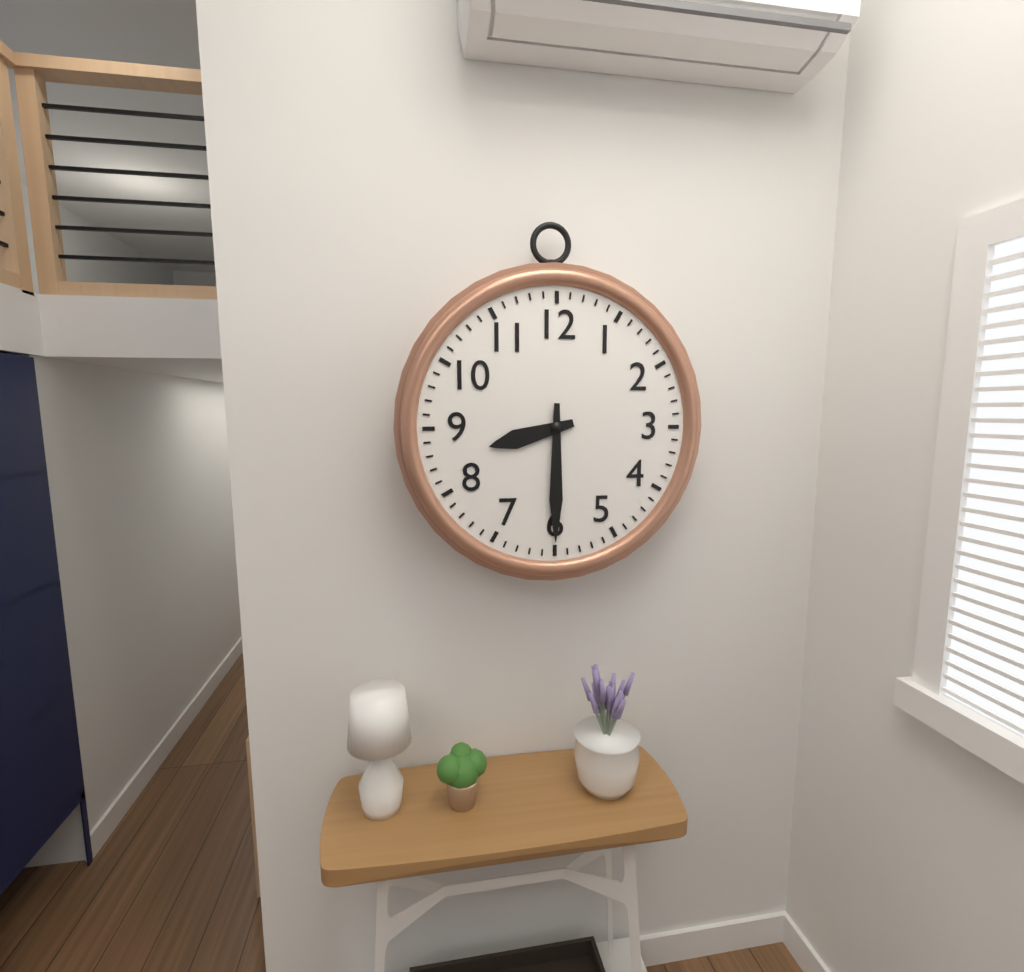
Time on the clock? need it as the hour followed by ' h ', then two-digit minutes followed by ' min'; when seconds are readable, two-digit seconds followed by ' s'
8 h 30 min
